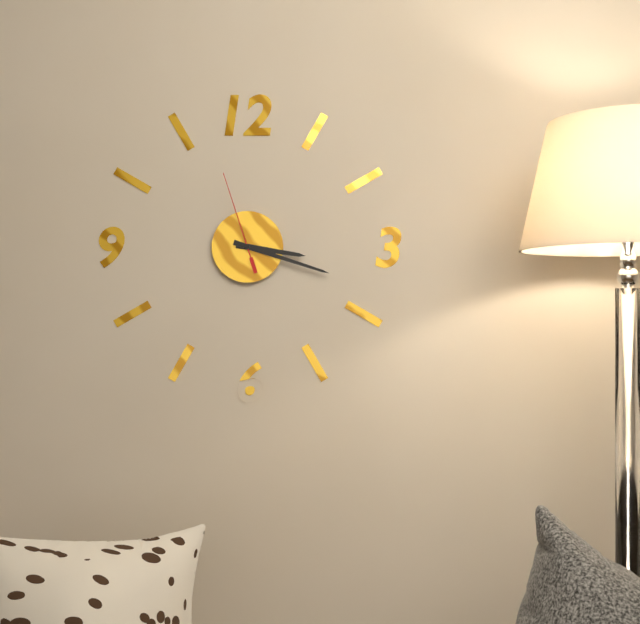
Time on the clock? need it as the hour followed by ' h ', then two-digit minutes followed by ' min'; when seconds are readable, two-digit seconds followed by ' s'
3 h 18 min 57 s
